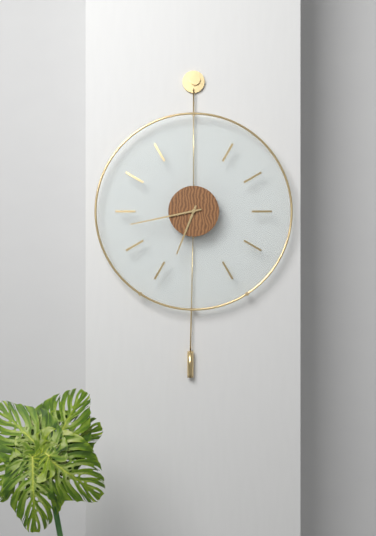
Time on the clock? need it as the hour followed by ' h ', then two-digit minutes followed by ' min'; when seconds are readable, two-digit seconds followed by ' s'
6 h 43 min
